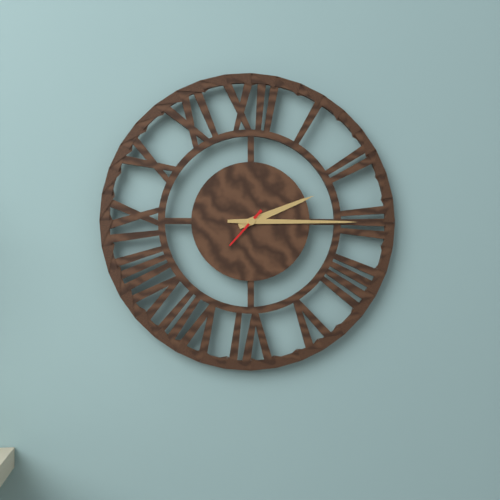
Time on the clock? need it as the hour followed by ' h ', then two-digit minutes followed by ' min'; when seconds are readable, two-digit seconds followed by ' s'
2 h 15 min
